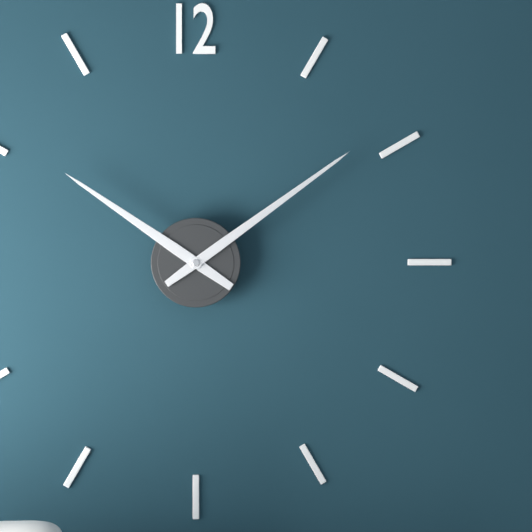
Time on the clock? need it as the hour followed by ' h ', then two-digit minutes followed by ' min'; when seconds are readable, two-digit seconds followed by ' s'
10 h 09 min
